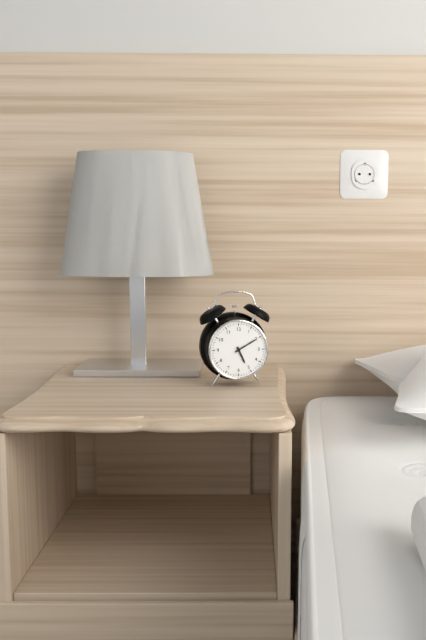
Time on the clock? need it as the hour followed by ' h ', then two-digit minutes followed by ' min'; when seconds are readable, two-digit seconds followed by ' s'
5 h 10 min
